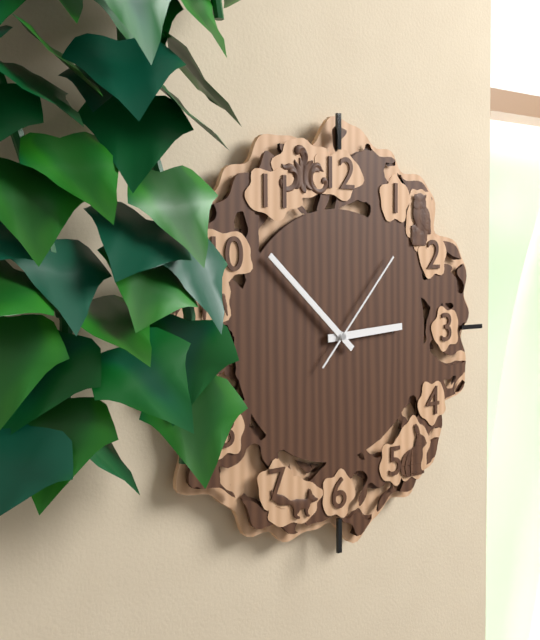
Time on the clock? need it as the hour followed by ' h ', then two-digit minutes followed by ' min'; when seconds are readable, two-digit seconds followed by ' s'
2 h 52 min 07 s
